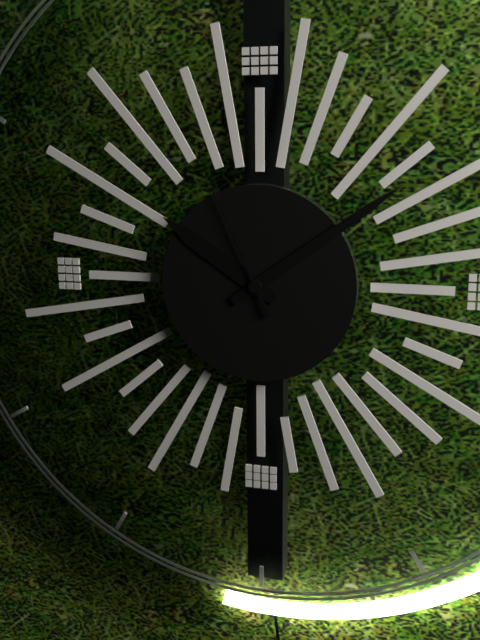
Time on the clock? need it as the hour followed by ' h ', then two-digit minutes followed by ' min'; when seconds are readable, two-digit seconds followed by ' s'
10 h 09 min 56 s
